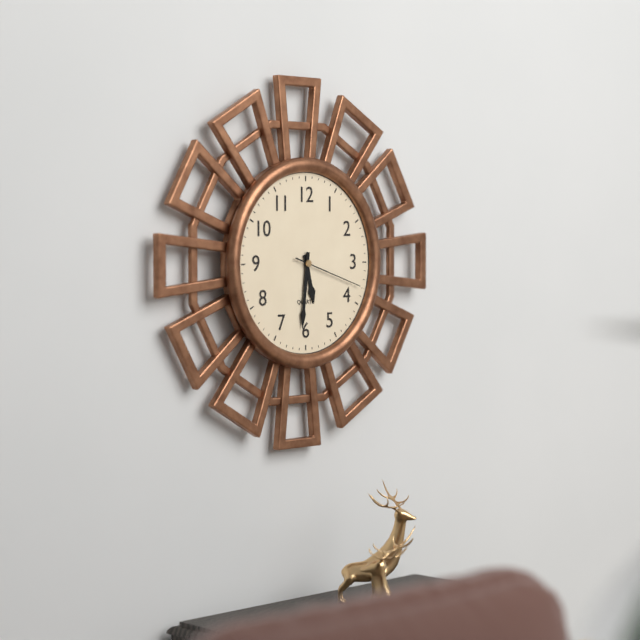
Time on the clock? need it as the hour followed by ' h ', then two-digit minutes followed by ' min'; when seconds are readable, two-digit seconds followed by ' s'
5 h 31 min 18 s
